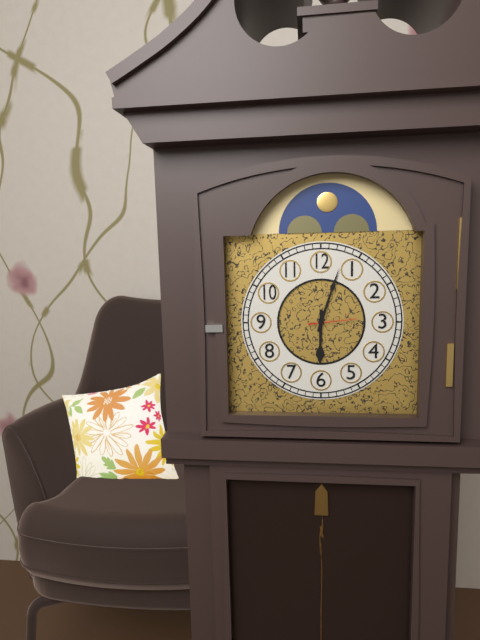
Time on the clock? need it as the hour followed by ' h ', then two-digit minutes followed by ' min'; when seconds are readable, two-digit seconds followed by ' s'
6 h 03 min
